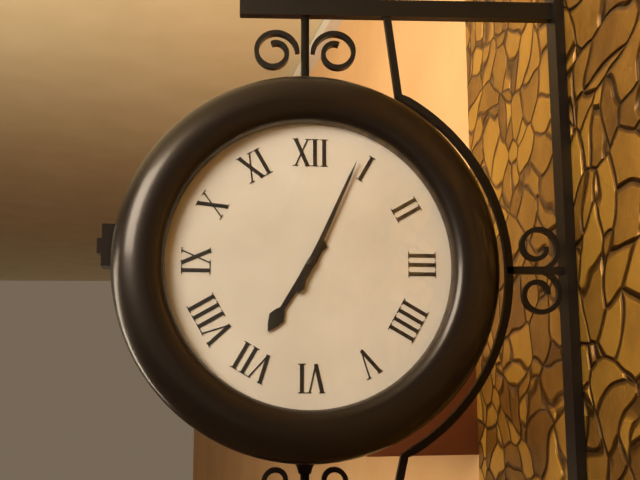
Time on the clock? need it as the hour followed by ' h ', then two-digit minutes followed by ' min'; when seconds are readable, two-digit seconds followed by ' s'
7 h 04 min
